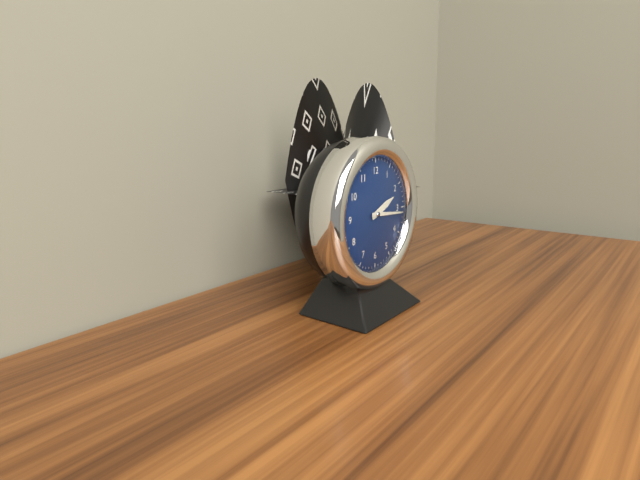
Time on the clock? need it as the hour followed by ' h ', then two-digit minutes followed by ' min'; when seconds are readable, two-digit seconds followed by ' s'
2 h 16 min
